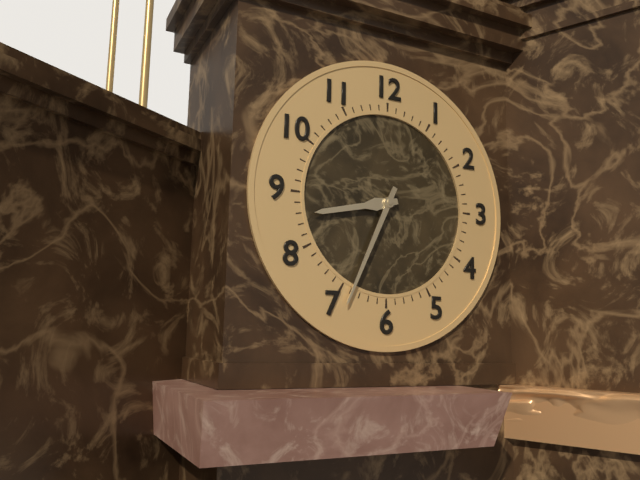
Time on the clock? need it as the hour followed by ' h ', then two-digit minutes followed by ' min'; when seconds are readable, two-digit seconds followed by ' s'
8 h 34 min
